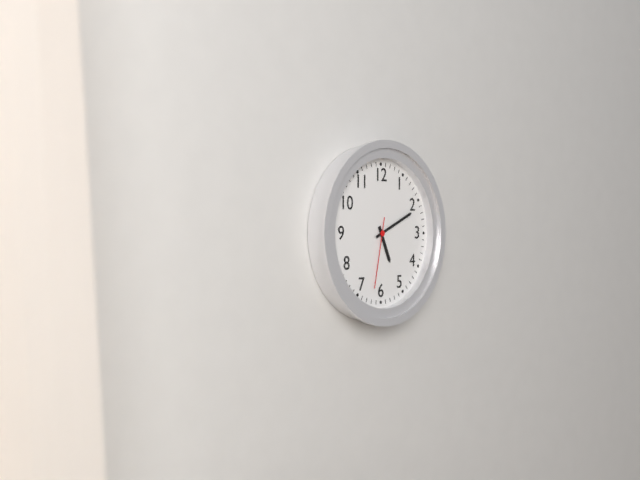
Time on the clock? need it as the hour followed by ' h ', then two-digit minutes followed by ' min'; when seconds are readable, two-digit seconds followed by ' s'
5 h 11 min 32 s
